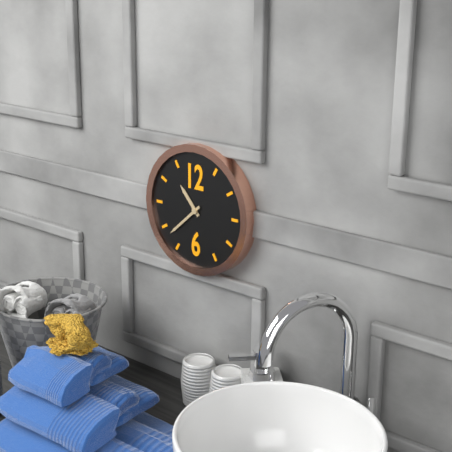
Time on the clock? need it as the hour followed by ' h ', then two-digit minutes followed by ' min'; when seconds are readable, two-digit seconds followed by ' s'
10 h 38 min
